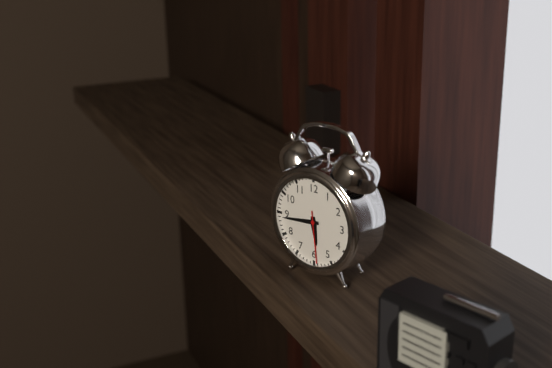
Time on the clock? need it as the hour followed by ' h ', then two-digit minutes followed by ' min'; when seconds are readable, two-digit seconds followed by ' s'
5 h 44 min 29 s
